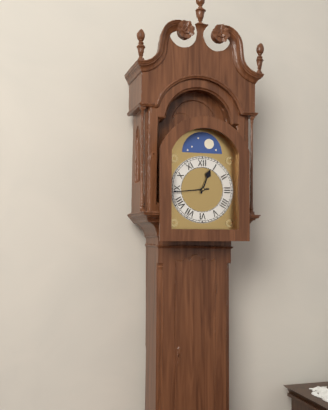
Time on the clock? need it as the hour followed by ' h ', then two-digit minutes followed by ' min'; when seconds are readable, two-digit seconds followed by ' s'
12 h 44 min
